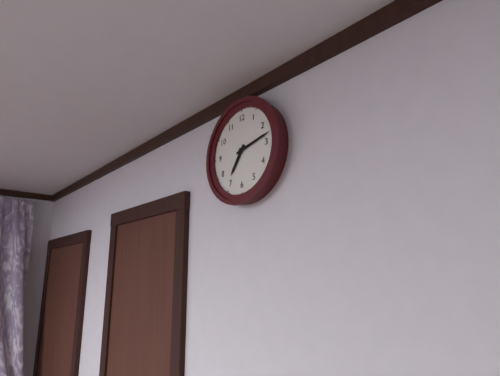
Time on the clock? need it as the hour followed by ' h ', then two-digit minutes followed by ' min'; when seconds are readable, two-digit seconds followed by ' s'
7 h 13 min
